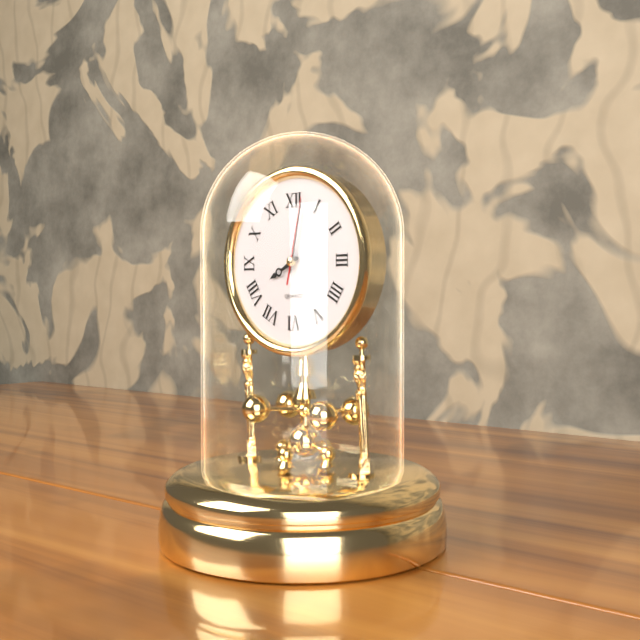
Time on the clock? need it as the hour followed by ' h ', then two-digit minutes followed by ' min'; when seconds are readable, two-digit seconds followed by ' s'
8 h 02 min 02 s
